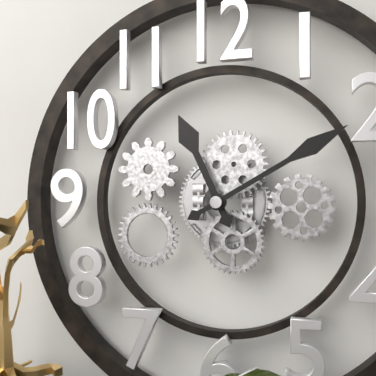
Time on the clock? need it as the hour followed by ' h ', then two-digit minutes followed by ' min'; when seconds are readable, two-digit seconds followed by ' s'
11 h 10 min
